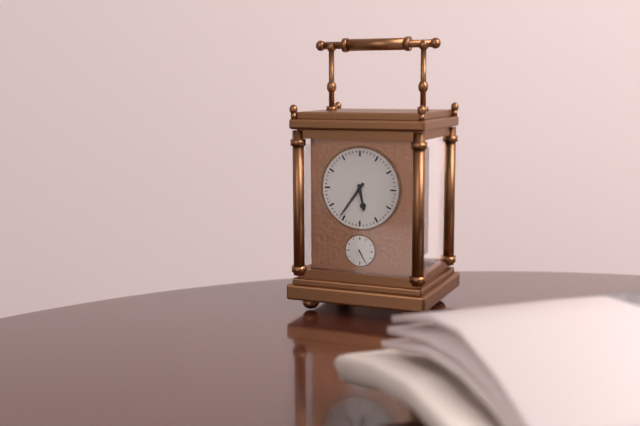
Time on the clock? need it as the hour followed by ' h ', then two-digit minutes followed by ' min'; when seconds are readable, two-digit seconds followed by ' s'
5 h 36 min
